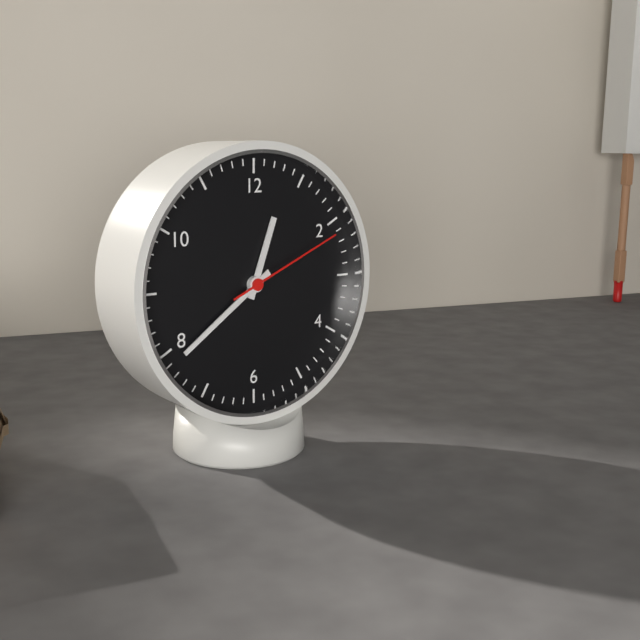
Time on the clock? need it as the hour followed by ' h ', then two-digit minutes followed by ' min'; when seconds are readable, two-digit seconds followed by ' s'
12 h 39 min 11 s
